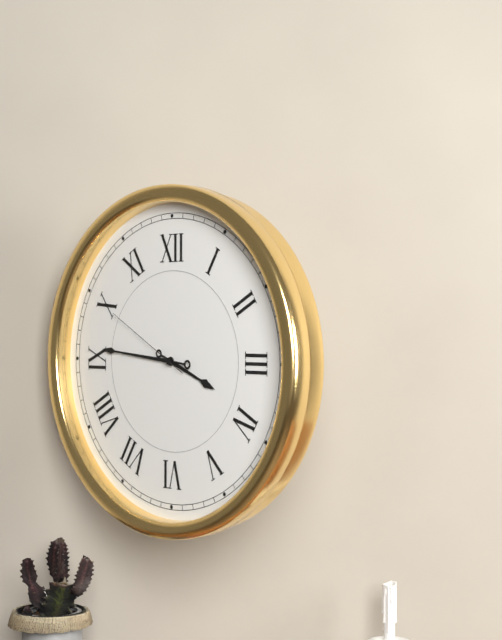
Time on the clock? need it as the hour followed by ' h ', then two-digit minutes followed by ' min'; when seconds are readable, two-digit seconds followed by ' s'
3 h 46 min 50 s
